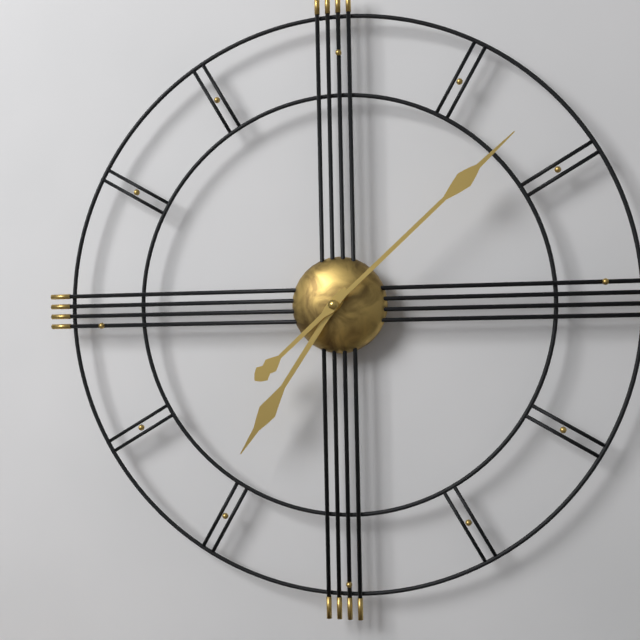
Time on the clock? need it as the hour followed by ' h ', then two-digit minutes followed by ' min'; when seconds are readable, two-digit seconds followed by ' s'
7 h 08 min
